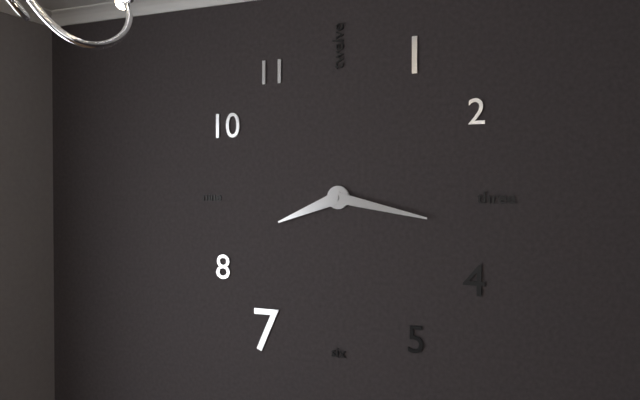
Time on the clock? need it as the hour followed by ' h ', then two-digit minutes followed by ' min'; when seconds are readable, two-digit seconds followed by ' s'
8 h 17 min
